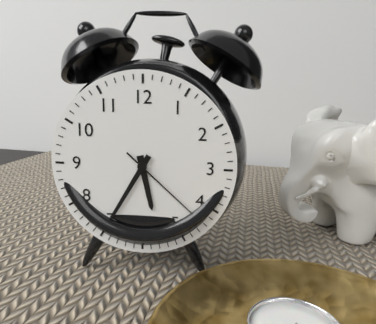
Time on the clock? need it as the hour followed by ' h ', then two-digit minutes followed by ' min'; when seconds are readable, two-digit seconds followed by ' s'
5 h 35 min 22 s
